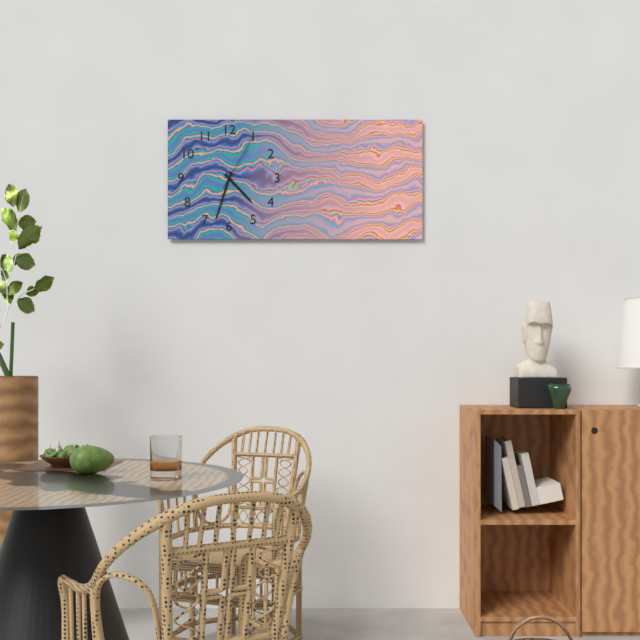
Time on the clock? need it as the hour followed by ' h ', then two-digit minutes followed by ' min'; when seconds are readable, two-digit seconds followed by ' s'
4 h 33 min 05 s
